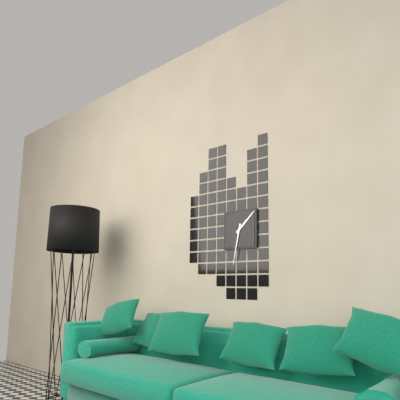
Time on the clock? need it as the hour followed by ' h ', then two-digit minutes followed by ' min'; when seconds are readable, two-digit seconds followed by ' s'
1 h 32 min
